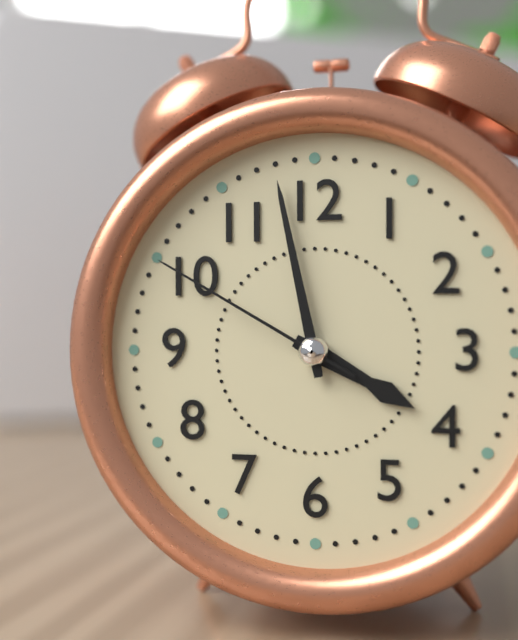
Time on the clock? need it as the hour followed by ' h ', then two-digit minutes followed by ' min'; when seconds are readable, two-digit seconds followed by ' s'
3 h 58 min 50 s
